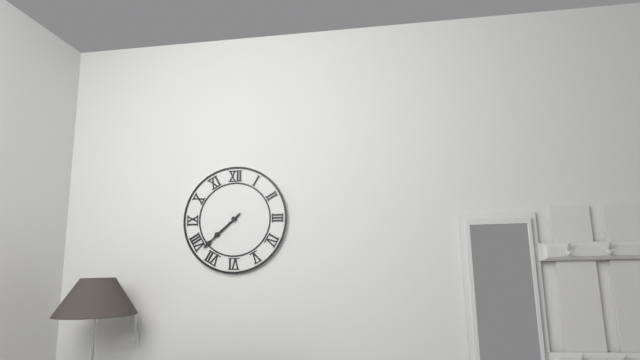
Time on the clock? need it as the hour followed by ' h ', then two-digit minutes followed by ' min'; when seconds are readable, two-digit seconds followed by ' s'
7 h 38 min
